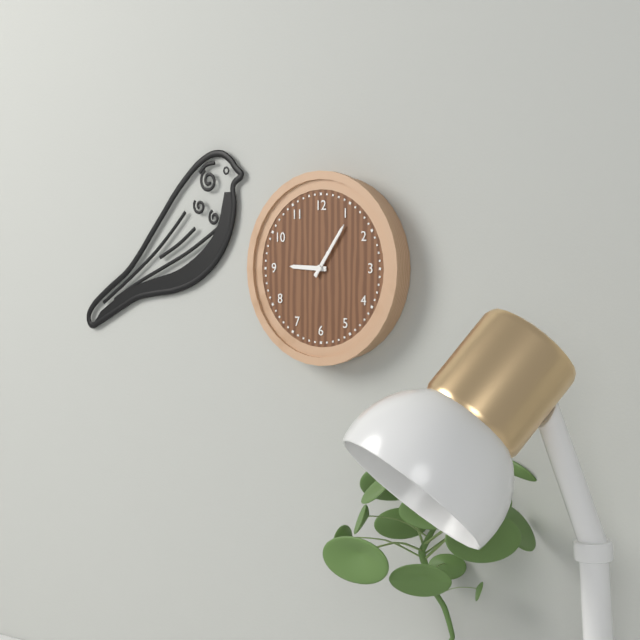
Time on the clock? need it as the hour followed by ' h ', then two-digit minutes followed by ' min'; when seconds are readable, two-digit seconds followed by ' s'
9 h 06 min
